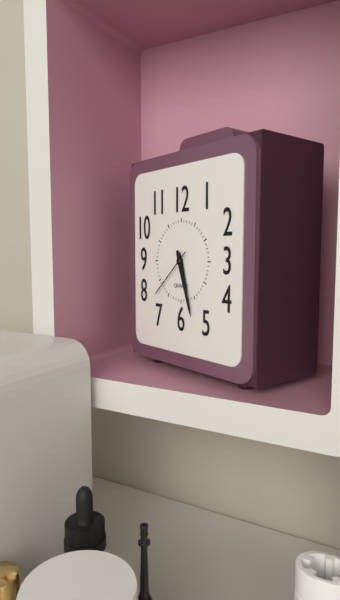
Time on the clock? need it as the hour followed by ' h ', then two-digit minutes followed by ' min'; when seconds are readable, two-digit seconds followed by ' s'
5 h 27 min
